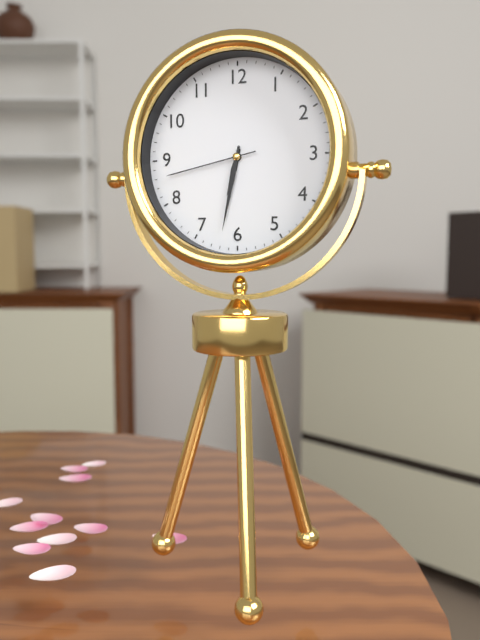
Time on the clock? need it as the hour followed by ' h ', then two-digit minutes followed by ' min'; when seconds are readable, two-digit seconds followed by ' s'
6 h 32 min 43 s
